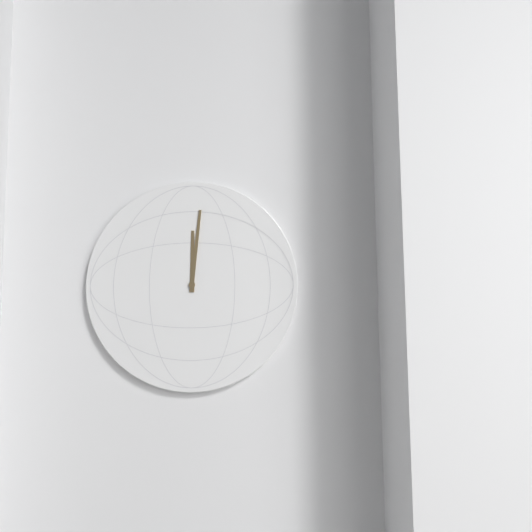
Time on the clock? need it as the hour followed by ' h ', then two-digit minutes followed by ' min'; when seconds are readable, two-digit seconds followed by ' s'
12 h 01 min
